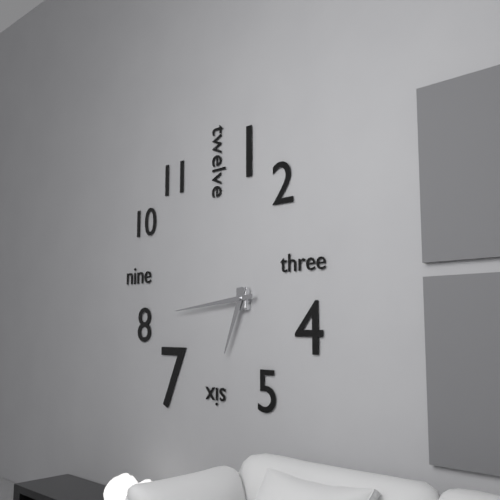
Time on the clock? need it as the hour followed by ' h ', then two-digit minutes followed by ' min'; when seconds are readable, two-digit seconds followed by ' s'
6 h 44 min
